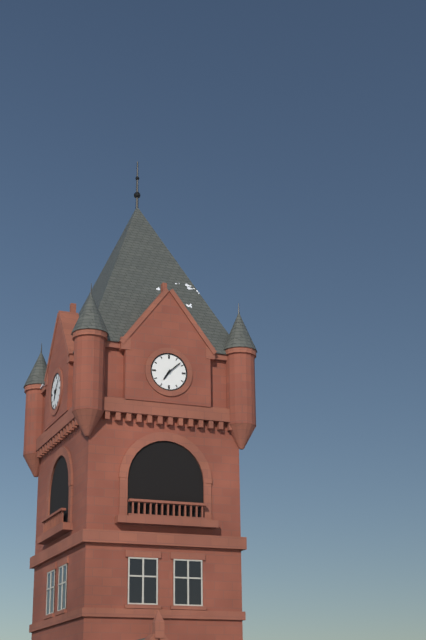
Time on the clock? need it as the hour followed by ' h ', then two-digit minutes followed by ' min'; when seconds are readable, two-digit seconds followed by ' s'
7 h 08 min
